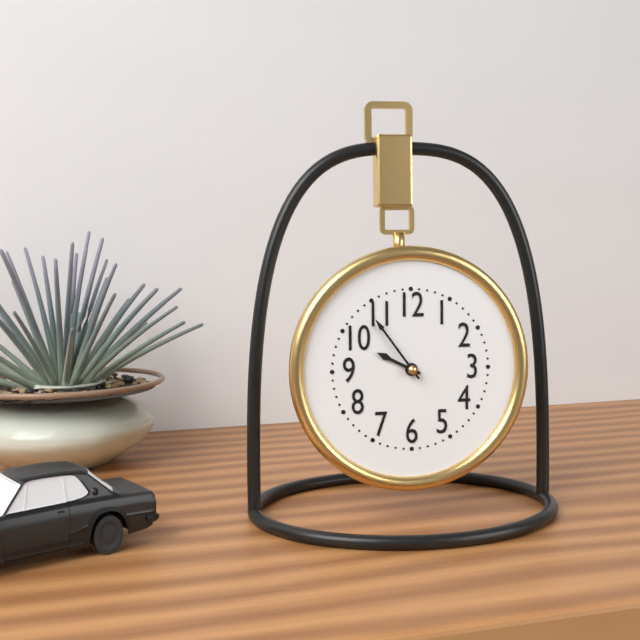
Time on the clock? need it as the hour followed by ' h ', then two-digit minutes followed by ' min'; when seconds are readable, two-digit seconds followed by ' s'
9 h 54 min
